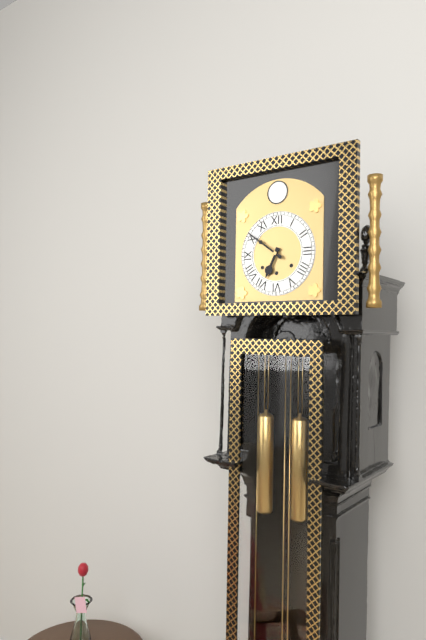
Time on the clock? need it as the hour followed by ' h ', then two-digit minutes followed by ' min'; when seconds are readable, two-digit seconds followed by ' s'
6 h 51 min
